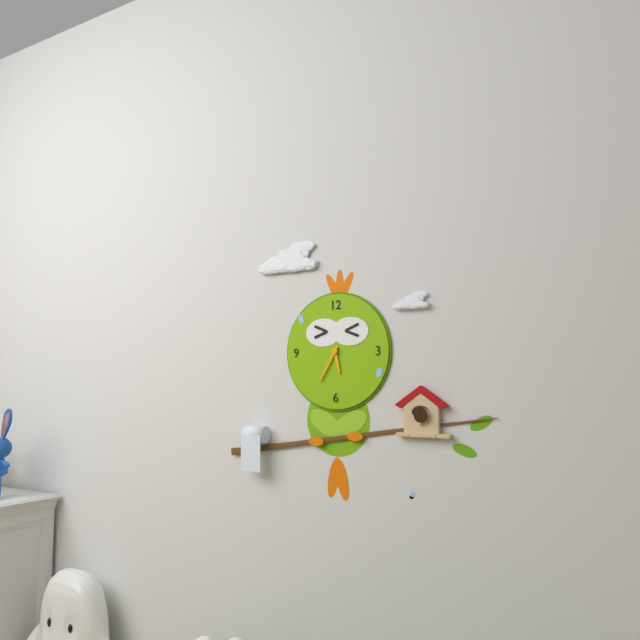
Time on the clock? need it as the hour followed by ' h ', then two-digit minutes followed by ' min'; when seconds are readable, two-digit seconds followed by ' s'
5 h 35 min
